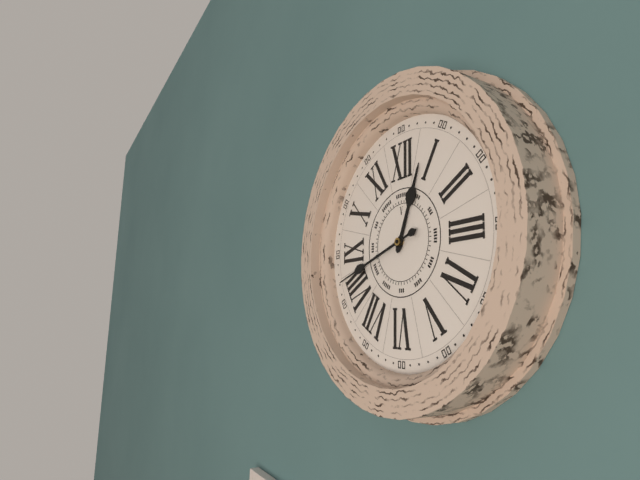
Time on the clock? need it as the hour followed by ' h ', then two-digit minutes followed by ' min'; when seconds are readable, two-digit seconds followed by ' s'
12 h 42 min
